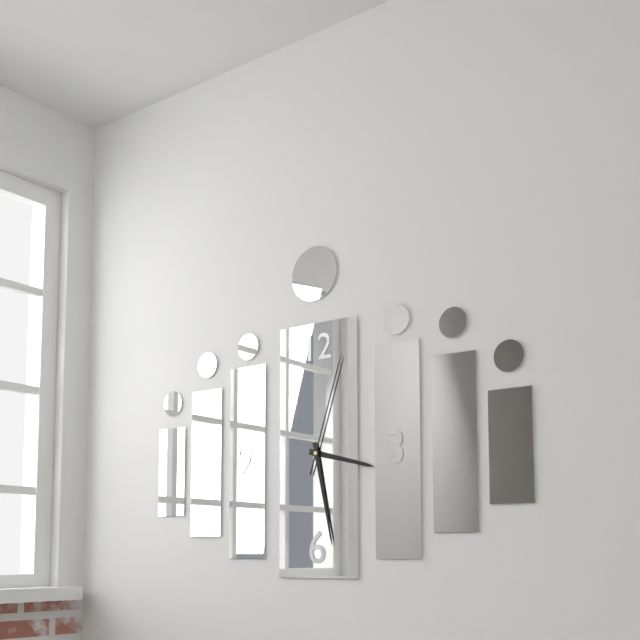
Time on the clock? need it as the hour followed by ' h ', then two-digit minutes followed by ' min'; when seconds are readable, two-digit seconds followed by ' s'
3 h 28 min 03 s
